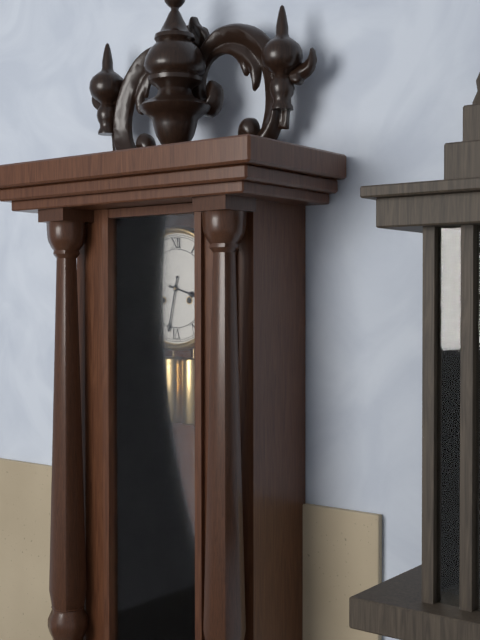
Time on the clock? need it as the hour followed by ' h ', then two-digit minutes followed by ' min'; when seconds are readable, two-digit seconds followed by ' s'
3 h 32 min
